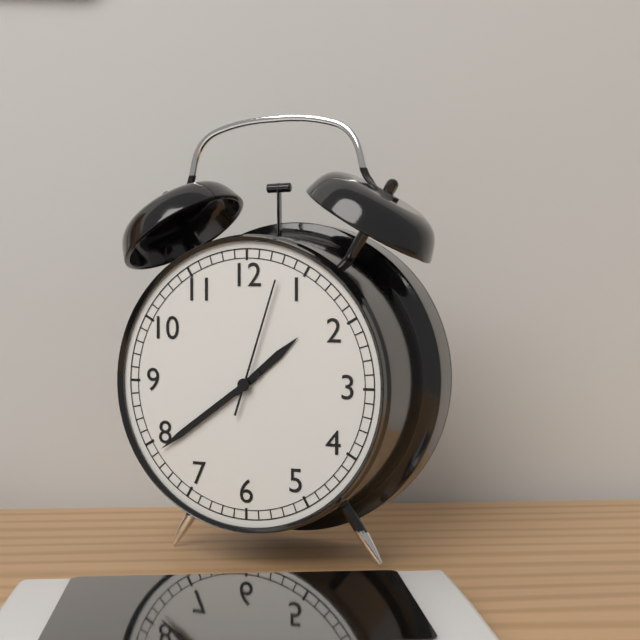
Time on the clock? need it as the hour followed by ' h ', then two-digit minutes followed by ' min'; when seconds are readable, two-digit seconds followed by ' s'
1 h 39 min 03 s
